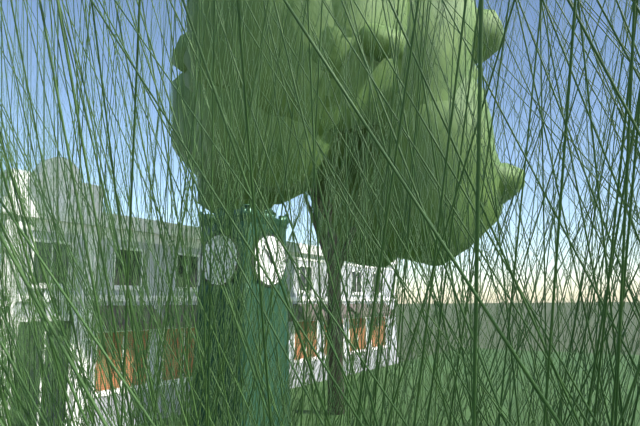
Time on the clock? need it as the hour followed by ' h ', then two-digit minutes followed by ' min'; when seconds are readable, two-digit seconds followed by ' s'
10 h 53 min
